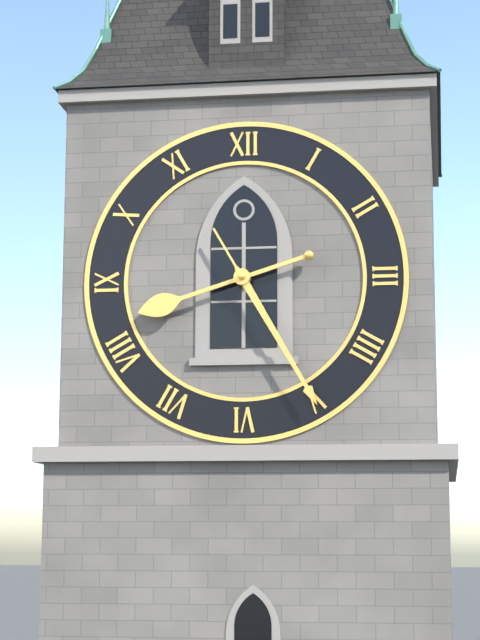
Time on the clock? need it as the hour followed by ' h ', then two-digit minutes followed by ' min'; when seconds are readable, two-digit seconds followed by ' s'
8 h 25 min
